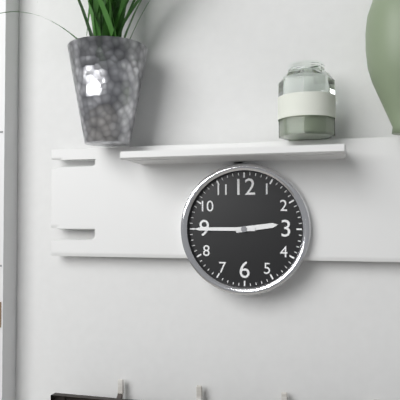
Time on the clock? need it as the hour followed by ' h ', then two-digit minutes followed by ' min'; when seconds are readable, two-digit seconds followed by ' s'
2 h 45 min
